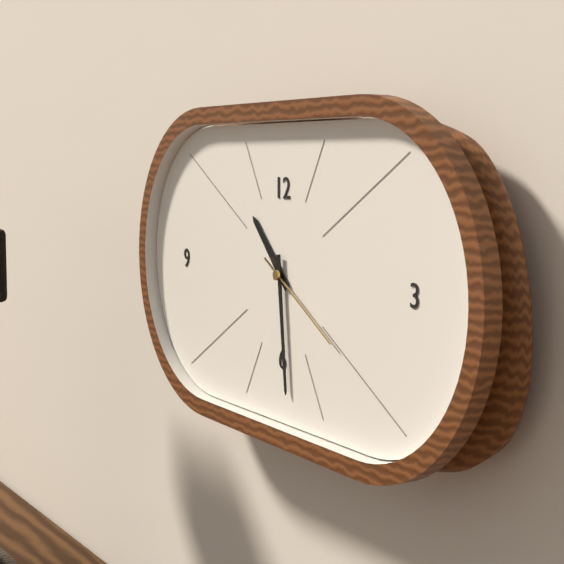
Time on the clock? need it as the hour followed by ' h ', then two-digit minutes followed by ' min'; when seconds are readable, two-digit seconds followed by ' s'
10 h 29 min 20 s
